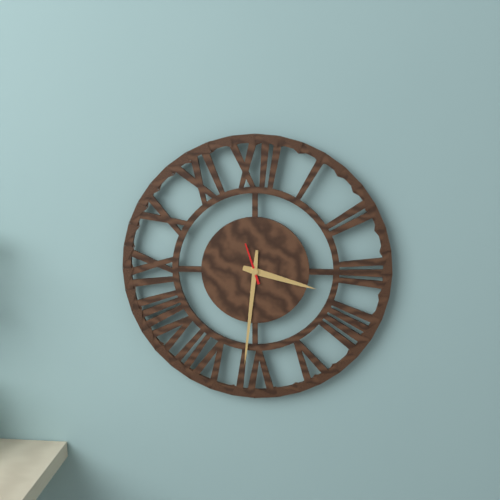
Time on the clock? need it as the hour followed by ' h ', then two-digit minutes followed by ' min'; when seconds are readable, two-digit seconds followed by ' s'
3 h 31 min
